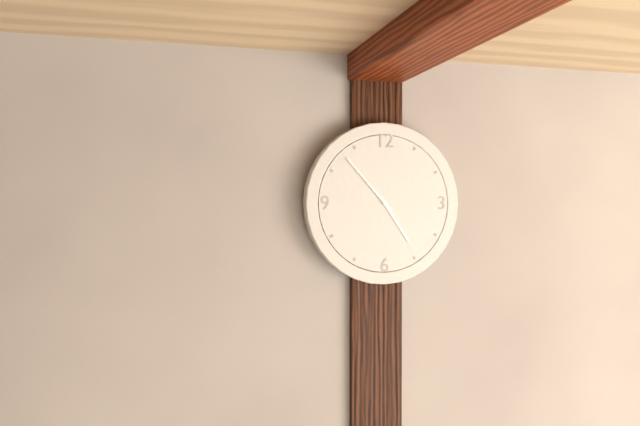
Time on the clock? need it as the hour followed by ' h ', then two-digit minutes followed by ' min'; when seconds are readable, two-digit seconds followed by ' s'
4 h 53 min
